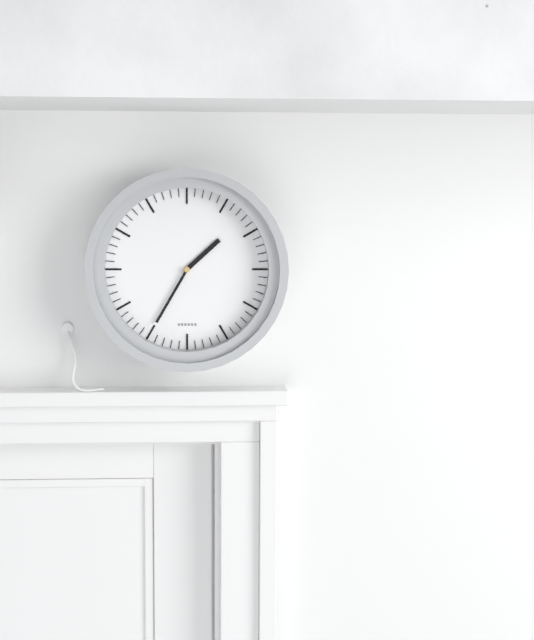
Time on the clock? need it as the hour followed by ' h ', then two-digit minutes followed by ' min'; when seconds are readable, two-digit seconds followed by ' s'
1 h 35 min
